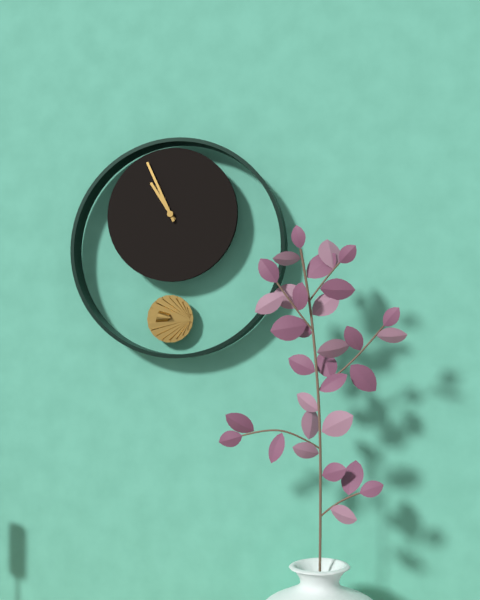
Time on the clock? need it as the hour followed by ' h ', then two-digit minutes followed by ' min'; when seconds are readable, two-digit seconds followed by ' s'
10 h 56 min
